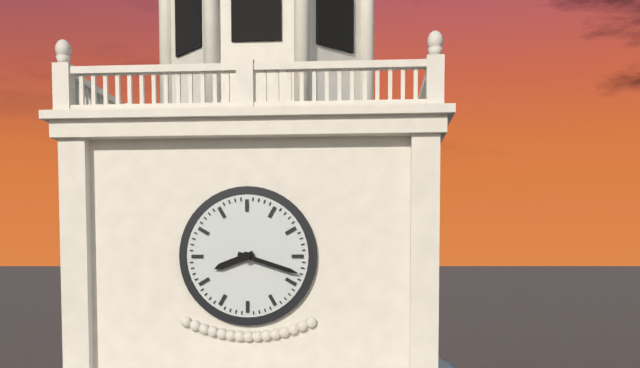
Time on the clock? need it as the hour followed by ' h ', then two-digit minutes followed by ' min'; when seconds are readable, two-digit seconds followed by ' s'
8 h 18 min
